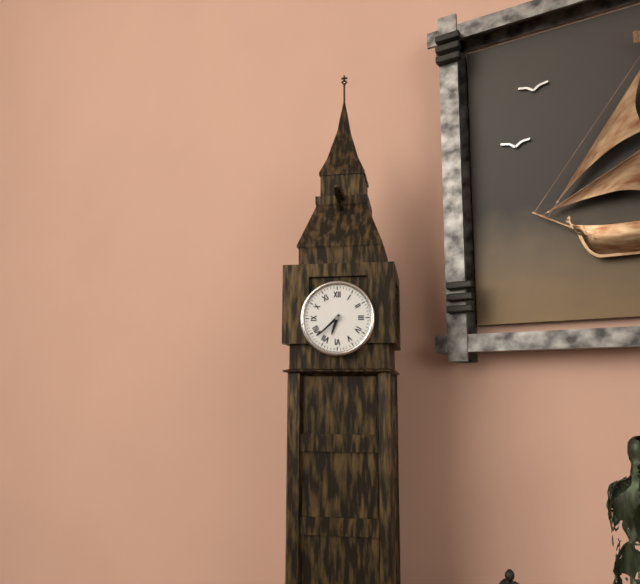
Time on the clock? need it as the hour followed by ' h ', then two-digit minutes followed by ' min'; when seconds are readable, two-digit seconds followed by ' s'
6 h 38 min
